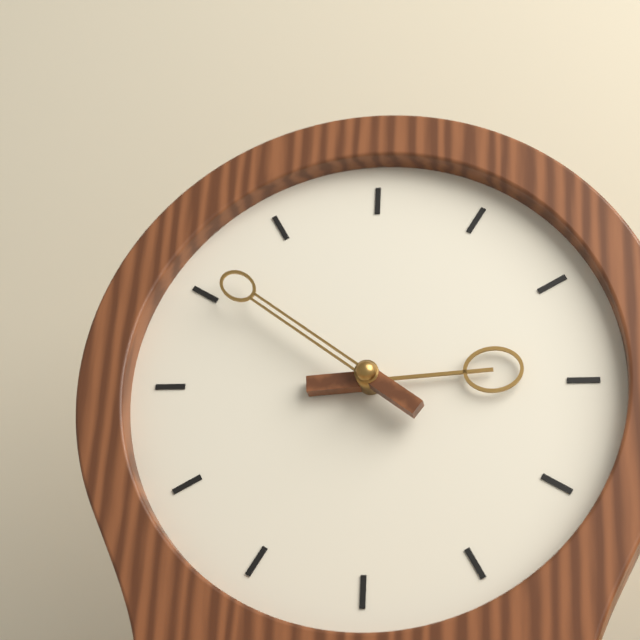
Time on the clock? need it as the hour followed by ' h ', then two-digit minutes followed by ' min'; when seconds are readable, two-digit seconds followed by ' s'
2 h 51 min
